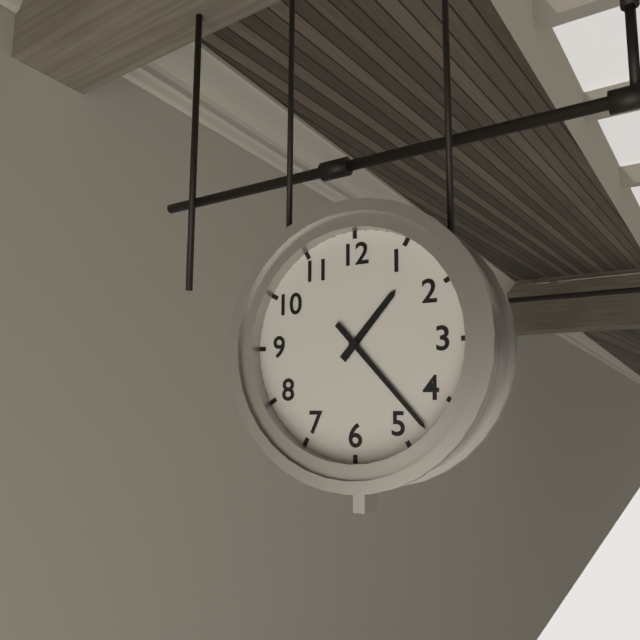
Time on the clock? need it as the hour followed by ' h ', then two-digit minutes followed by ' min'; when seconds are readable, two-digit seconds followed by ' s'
1 h 23 min
